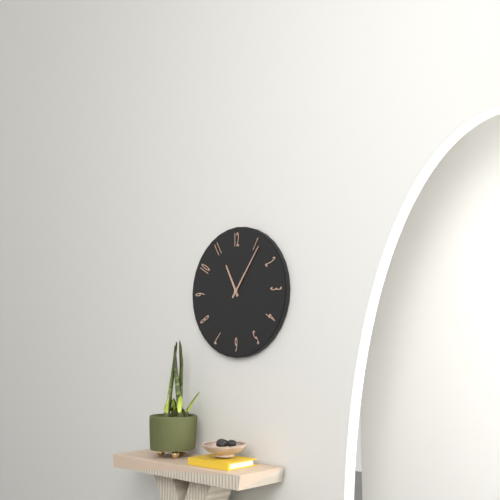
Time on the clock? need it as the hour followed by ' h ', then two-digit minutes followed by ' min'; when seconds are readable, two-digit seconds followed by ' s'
11 h 06 min
